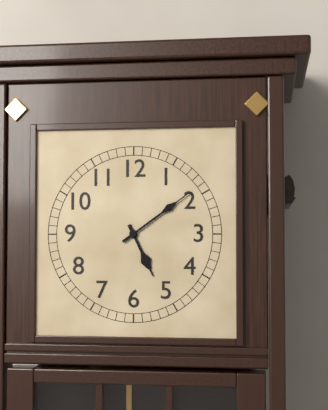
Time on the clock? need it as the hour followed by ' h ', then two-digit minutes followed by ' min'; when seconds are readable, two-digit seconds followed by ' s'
5 h 09 min
